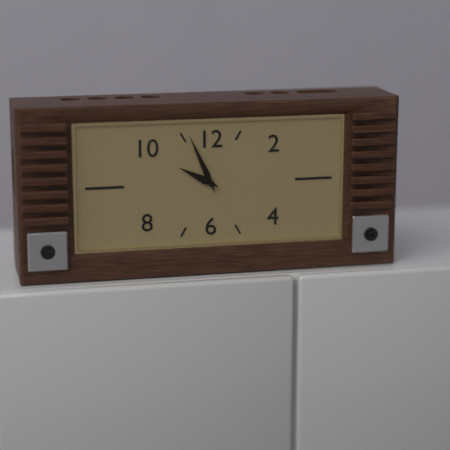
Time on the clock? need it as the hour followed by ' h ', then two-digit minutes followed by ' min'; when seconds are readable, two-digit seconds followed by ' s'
9 h 56 min
